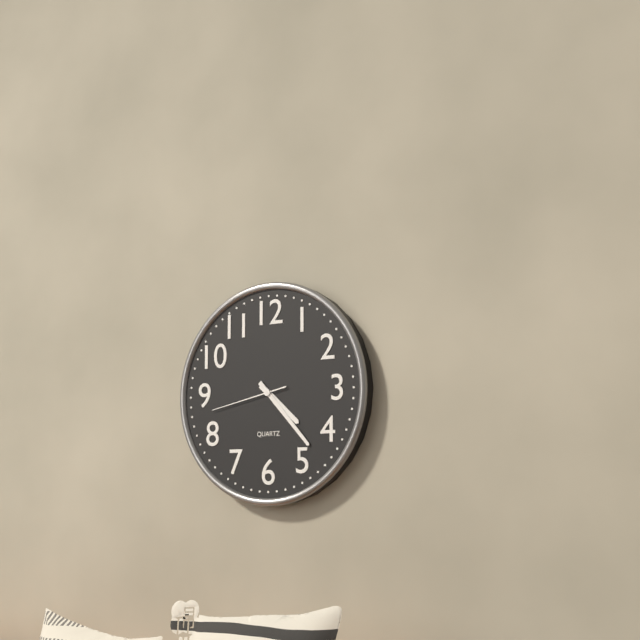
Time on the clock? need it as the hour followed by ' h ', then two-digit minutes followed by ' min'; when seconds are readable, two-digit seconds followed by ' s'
4 h 23 min 43 s
